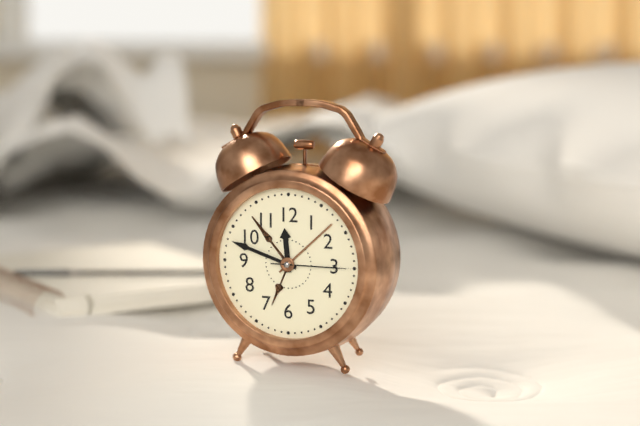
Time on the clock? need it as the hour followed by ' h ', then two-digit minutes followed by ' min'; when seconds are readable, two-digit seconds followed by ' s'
11 h 48 min 15 s
